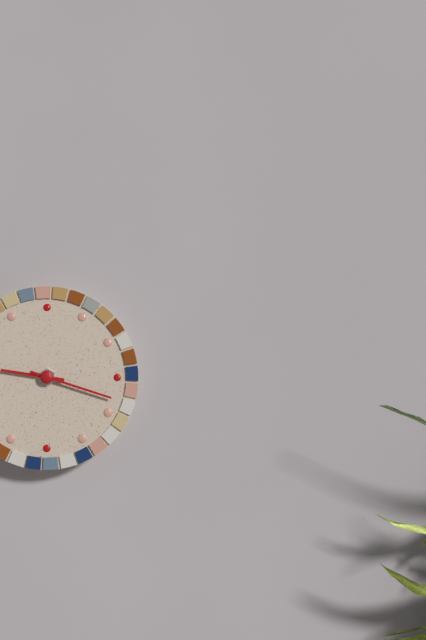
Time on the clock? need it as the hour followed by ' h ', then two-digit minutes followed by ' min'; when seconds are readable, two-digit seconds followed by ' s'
9 h 18 min
